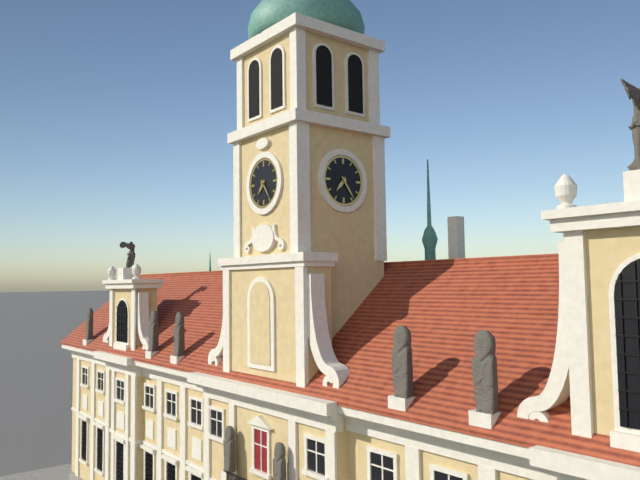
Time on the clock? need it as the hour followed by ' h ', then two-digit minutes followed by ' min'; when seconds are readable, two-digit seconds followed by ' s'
7 h 24 min
